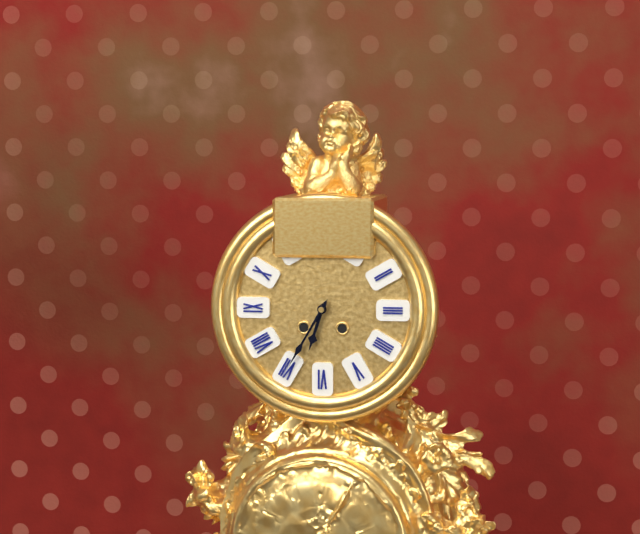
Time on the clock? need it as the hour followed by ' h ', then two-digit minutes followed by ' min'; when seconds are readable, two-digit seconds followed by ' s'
6 h 35 min
